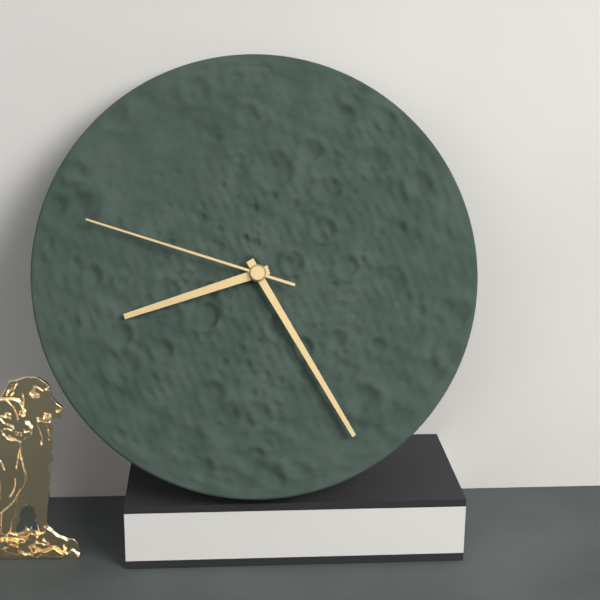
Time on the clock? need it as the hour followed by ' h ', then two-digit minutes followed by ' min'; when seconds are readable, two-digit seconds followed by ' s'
8 h 25 min 48 s
